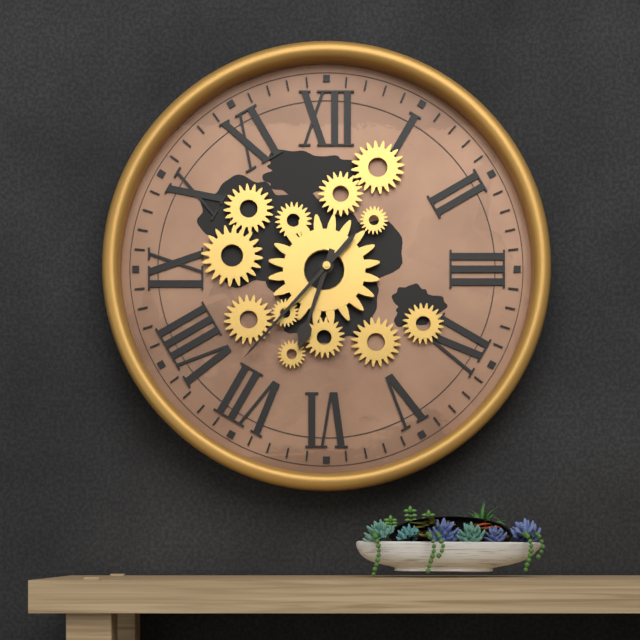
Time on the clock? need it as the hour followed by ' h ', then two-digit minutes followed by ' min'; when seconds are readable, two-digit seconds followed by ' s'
6 h 37 min
